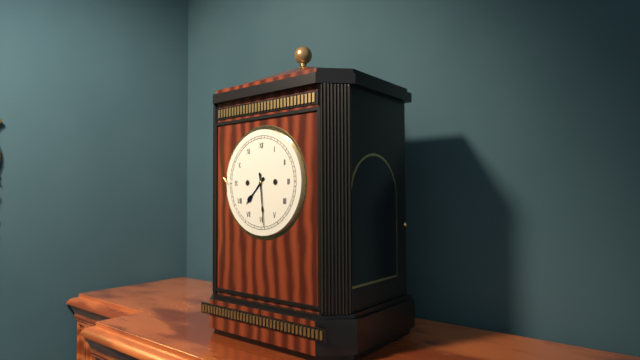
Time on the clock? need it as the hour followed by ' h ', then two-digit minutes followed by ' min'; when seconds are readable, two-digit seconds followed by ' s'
7 h 29 min
